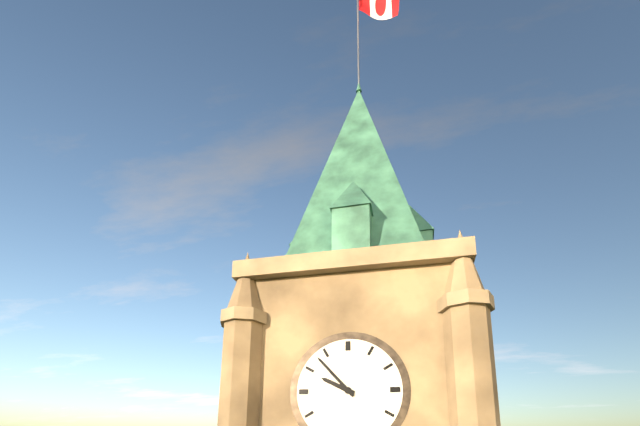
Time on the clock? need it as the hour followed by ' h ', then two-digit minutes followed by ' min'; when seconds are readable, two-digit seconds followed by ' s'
9 h 53 min
